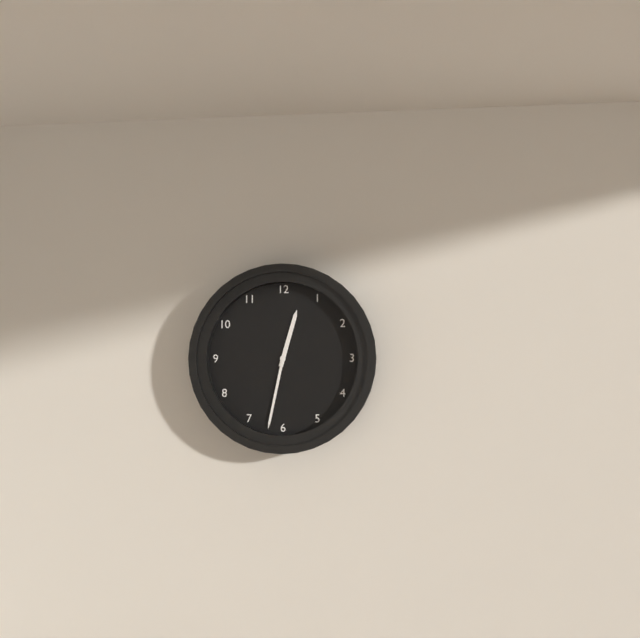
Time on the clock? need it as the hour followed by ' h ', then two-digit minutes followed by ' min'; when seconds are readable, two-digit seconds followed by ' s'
12 h 32 min
